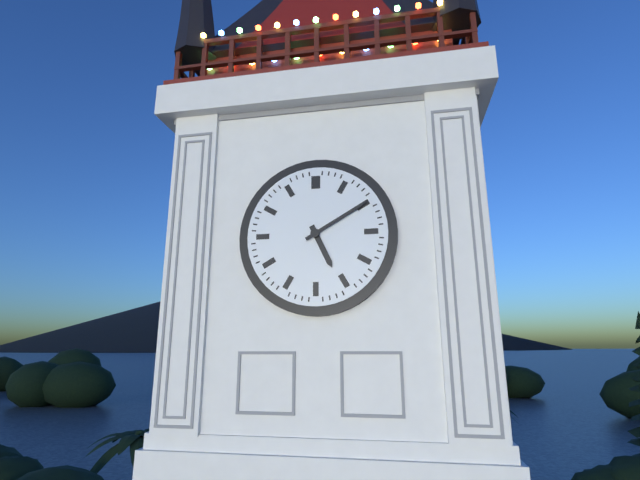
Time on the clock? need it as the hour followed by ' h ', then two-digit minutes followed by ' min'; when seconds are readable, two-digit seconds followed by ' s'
5 h 10 min
